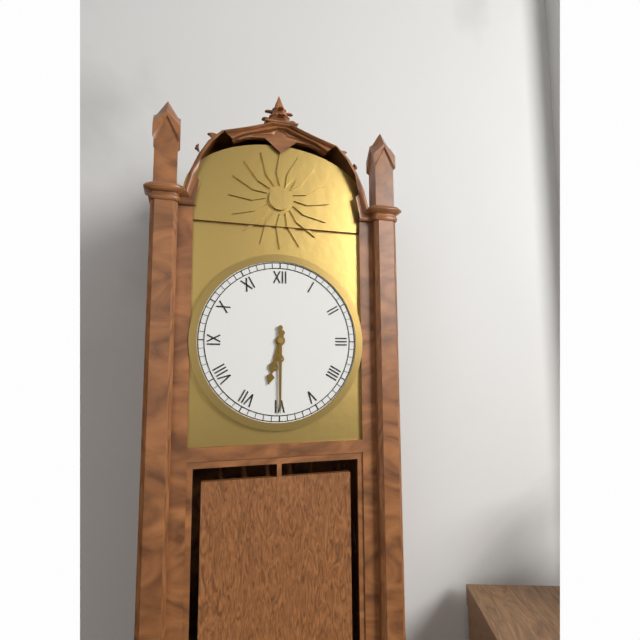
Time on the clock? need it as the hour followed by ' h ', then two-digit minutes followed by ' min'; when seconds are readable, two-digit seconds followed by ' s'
6 h 30 min
